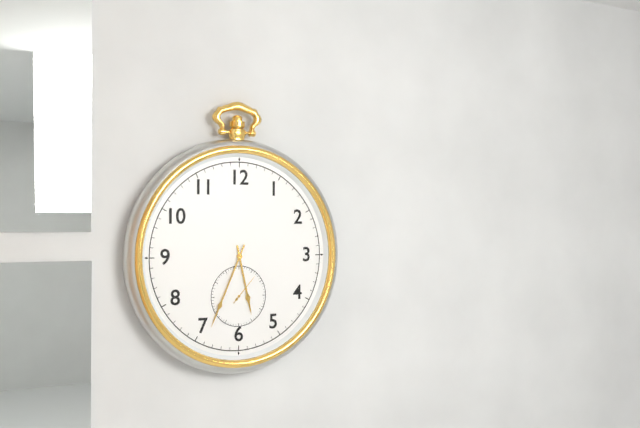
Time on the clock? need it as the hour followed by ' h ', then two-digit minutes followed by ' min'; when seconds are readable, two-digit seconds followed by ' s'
5 h 34 min
